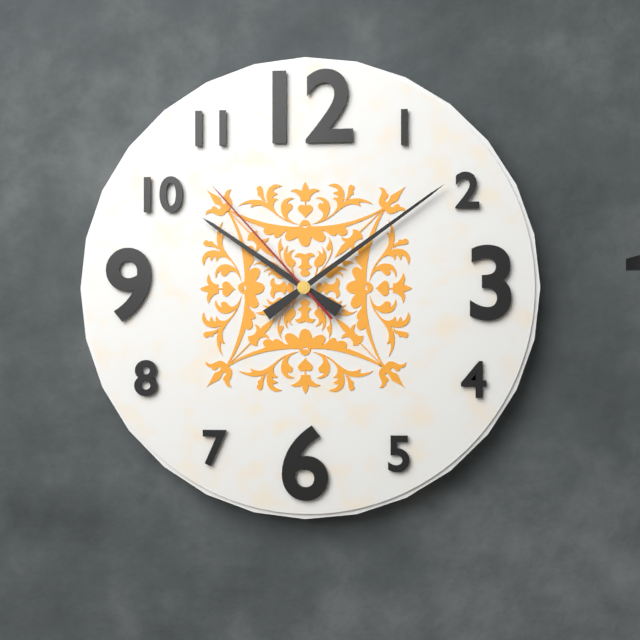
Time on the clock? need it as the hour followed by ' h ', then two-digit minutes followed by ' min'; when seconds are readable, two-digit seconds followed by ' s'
10 h 09 min 53 s
